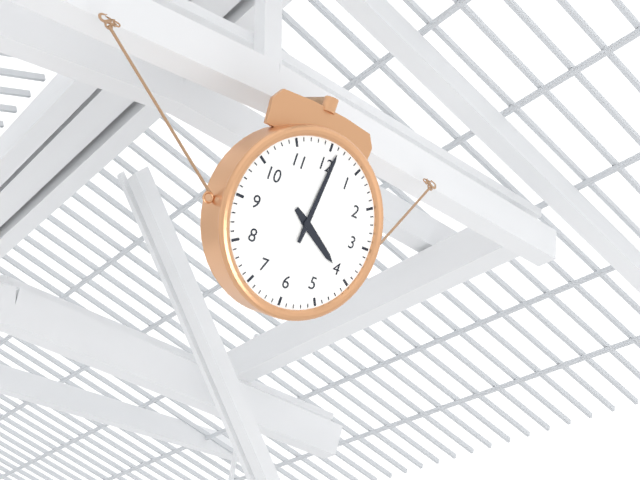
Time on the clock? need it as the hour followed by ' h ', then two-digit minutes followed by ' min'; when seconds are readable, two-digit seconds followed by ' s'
4 h 01 min
